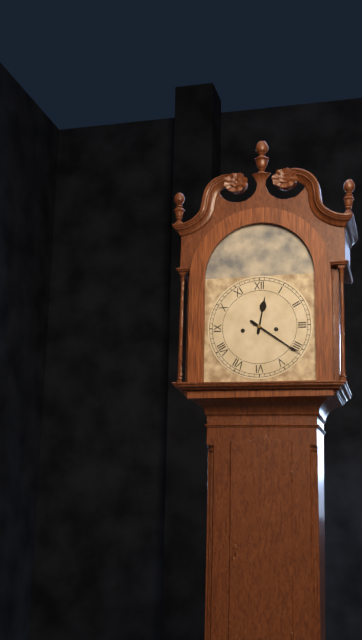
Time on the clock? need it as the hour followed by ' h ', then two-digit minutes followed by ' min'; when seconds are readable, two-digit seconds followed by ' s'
12 h 21 min
